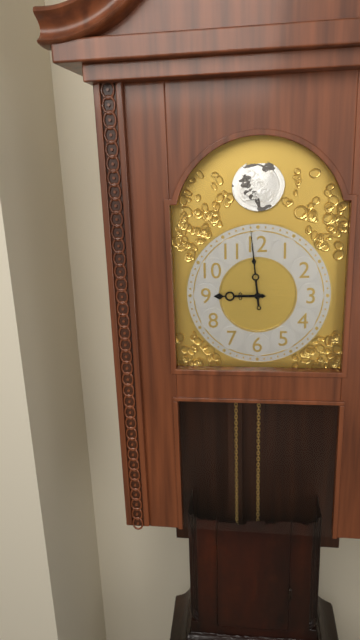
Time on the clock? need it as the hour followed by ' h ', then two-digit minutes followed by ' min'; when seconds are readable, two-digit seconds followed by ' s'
8 h 59 min
